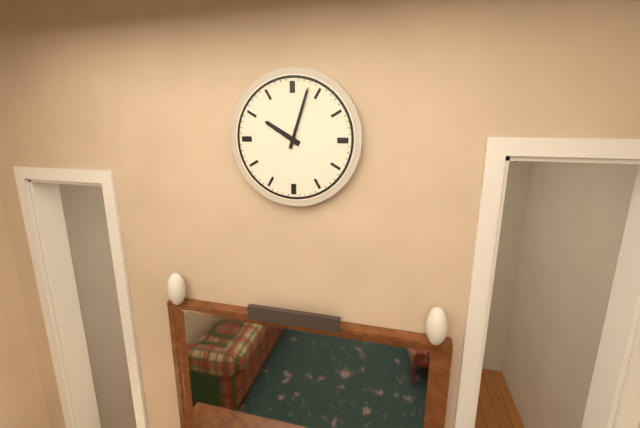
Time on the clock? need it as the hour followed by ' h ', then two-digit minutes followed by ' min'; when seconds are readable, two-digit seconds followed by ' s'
10 h 03 min
